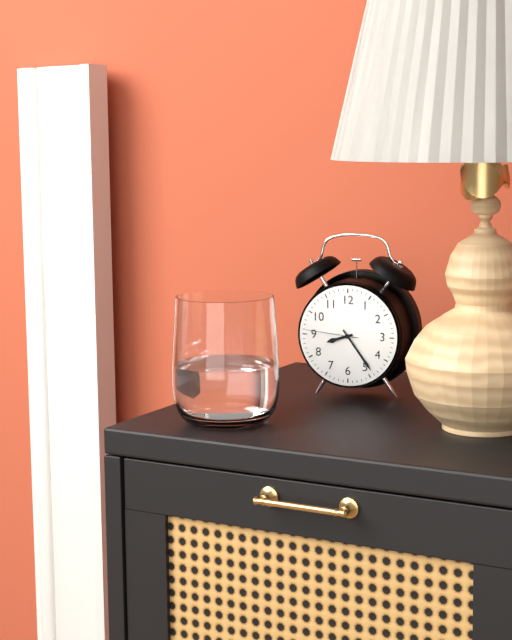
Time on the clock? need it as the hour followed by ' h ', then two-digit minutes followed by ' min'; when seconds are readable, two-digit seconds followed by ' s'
8 h 24 min 46 s
